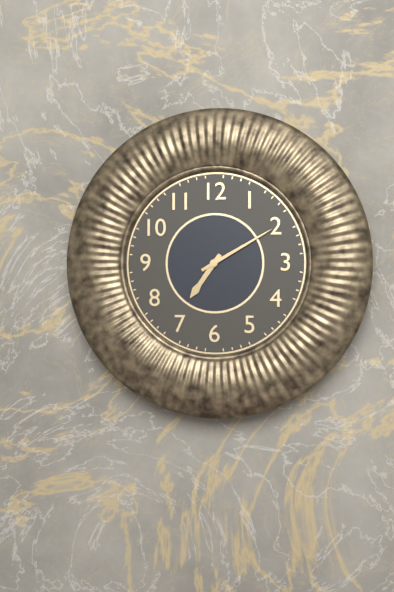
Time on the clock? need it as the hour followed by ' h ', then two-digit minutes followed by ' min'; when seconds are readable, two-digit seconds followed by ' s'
7 h 10 min
